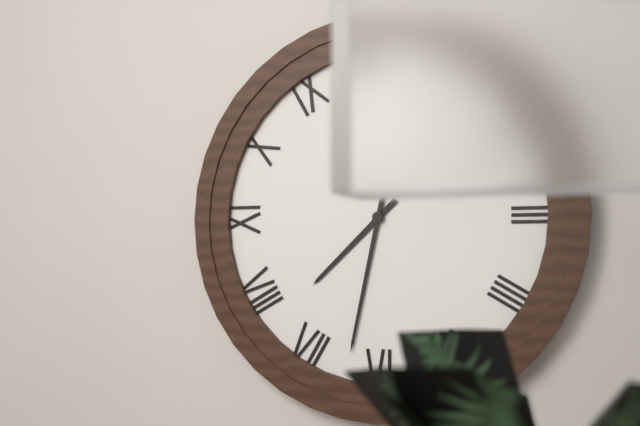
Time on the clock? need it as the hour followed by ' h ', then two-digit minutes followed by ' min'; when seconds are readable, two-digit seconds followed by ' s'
7 h 32 min
